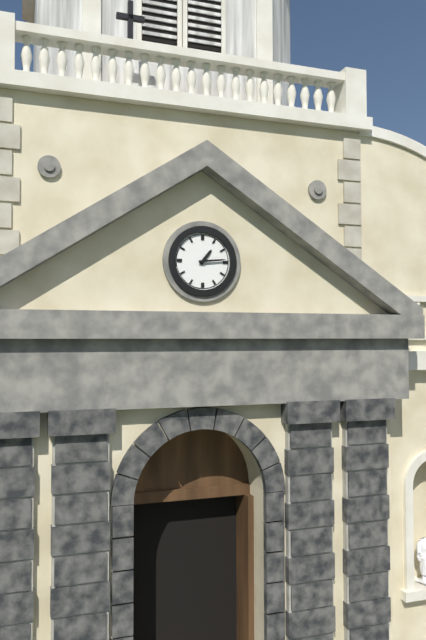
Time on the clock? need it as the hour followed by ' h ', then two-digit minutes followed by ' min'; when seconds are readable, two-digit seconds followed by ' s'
1 h 14 min
